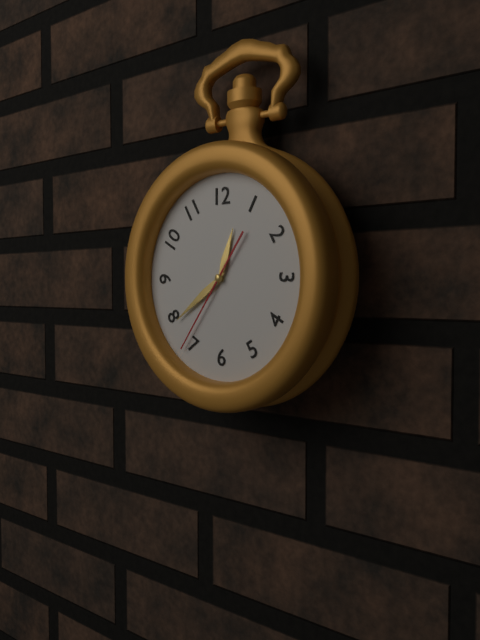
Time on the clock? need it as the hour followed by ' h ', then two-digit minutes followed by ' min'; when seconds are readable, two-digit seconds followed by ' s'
12 h 39 min 36 s
